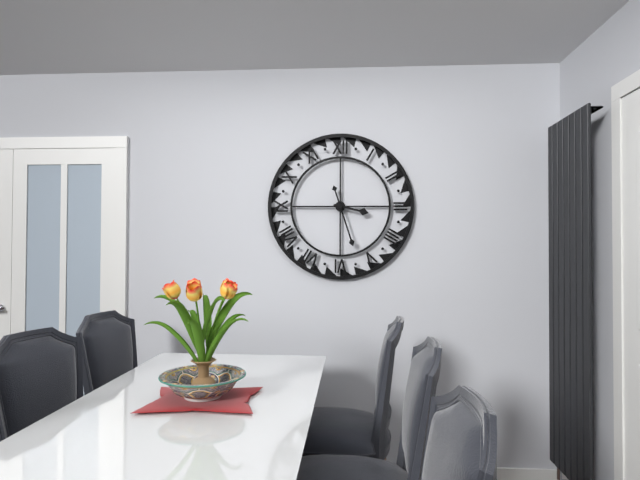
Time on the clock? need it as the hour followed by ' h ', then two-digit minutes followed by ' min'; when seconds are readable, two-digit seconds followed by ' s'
3 h 27 min
